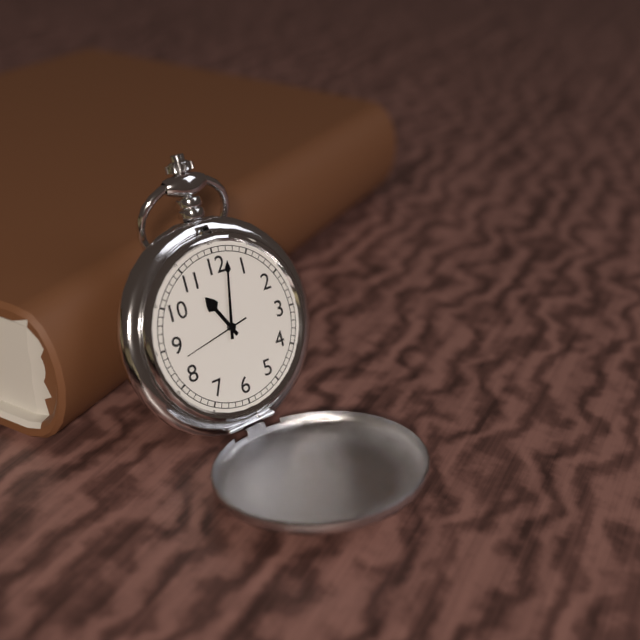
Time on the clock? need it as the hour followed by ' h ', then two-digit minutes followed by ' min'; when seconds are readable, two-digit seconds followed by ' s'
11 h 02 min 43 s
